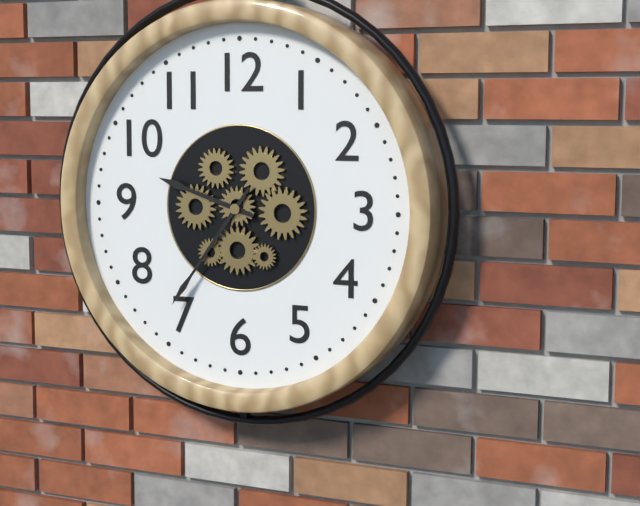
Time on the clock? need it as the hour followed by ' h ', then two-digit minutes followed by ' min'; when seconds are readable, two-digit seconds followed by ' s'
9 h 36 min
